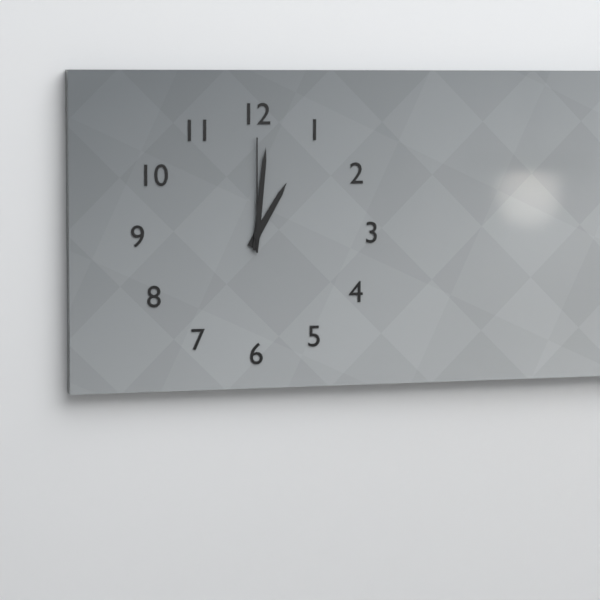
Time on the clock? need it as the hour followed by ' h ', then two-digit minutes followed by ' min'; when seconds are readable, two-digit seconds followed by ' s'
1 h 01 min 00 s
